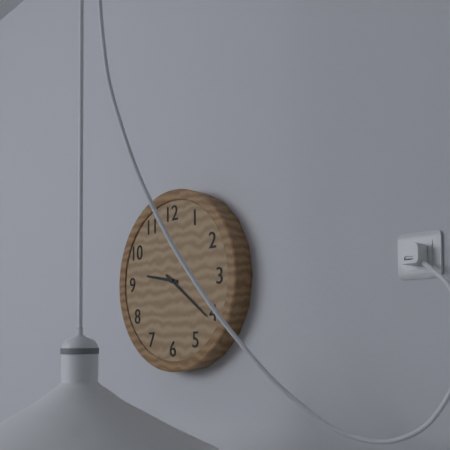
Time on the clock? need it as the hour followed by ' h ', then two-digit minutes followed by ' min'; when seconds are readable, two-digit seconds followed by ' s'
9 h 21 min
